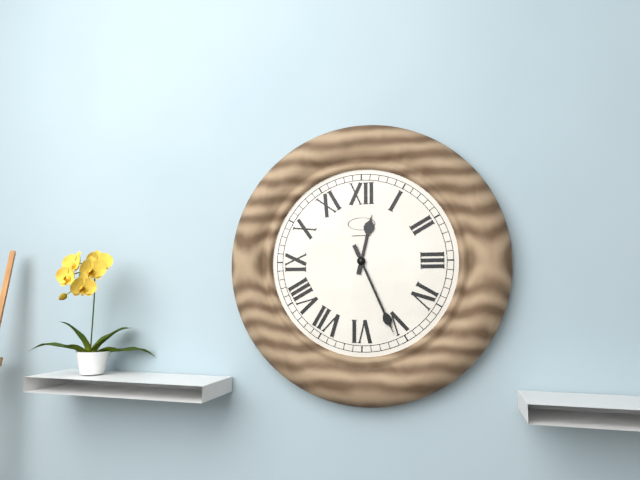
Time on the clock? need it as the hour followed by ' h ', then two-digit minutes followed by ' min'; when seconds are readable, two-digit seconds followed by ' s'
12 h 26 min
